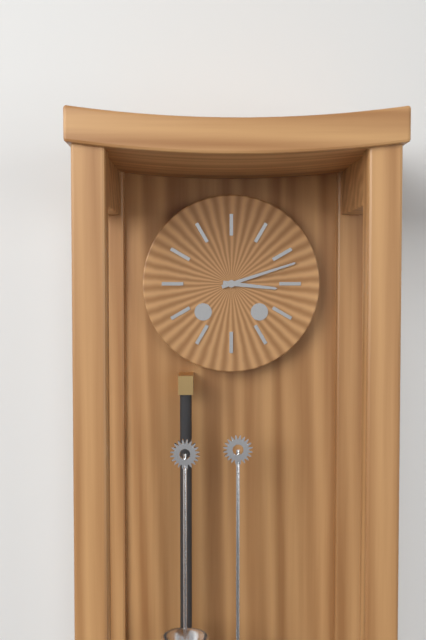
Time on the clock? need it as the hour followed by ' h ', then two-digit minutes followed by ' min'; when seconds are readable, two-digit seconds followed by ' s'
3 h 12 min
